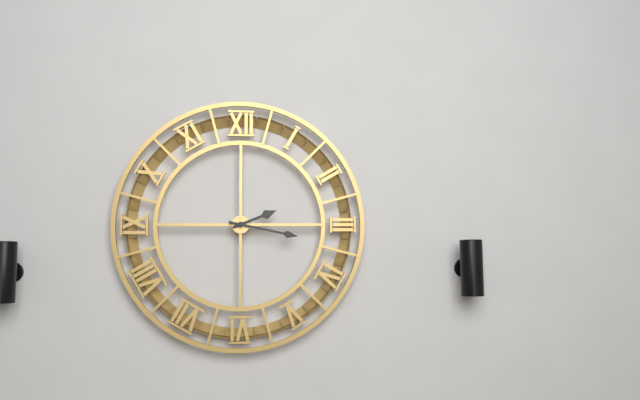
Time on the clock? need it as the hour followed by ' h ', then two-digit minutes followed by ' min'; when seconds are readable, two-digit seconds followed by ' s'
2 h 17 min
